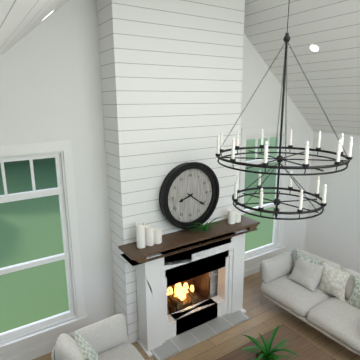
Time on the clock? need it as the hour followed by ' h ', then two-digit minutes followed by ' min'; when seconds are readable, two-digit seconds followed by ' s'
8 h 21 min
